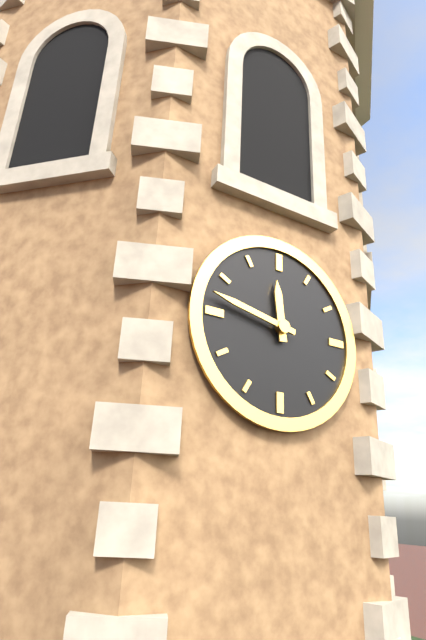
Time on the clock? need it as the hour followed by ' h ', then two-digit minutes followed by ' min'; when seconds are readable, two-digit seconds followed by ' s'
11 h 47 min
